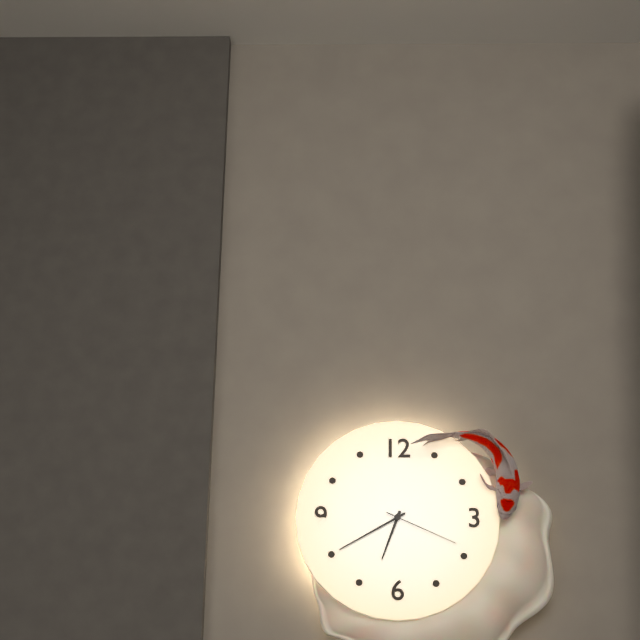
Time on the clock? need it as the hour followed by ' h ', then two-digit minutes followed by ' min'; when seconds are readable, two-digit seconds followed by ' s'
6 h 40 min 19 s
